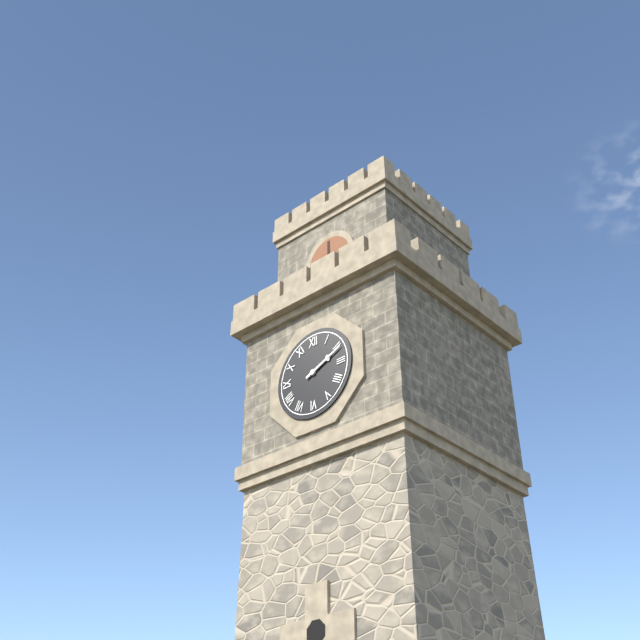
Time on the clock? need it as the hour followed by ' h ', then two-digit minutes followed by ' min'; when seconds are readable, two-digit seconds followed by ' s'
2 h 11 min
